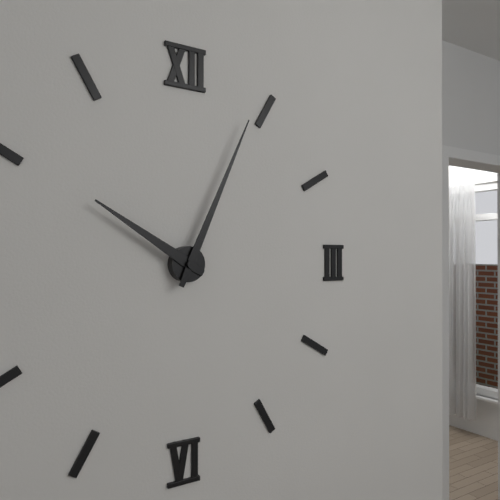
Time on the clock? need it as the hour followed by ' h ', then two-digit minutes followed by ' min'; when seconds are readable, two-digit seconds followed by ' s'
10 h 04 min
